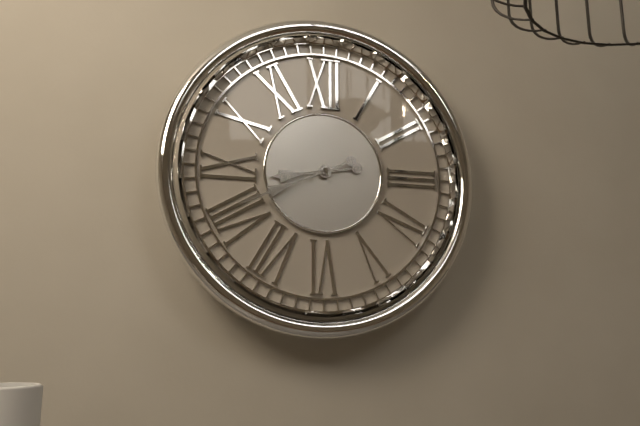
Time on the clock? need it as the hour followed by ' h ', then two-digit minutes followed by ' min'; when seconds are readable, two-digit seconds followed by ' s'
8 h 41 min
